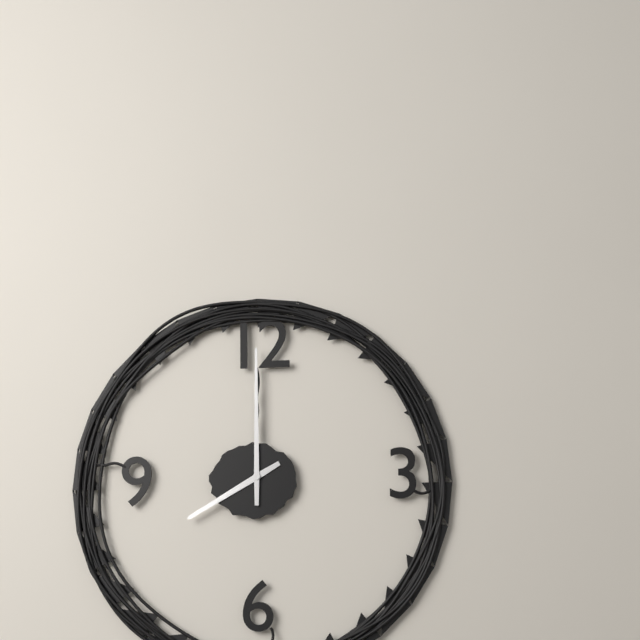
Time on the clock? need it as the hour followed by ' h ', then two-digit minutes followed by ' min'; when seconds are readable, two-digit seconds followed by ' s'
8 h 00 min
